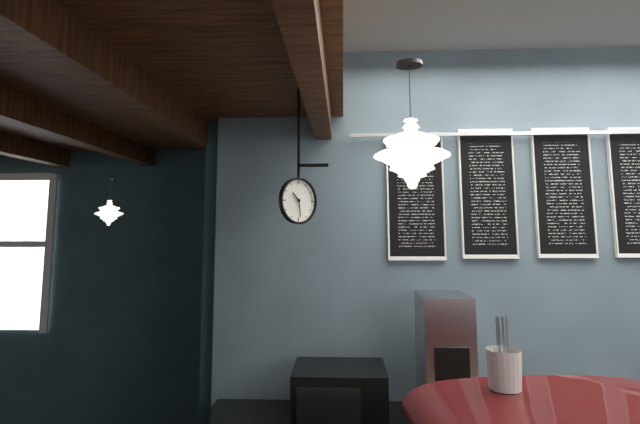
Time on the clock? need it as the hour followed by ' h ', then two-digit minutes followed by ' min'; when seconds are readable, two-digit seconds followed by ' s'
10 h 29 min
